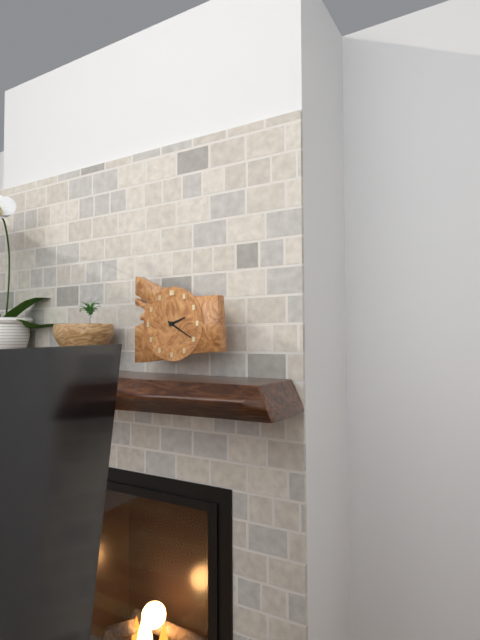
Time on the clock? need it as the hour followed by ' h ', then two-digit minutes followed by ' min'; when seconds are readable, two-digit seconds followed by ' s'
2 h 20 min
